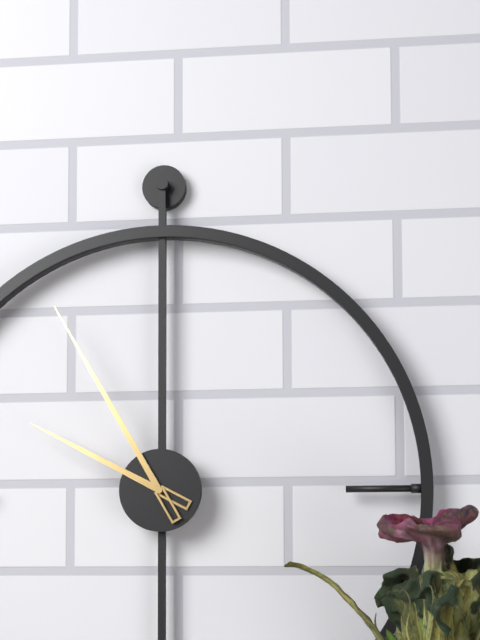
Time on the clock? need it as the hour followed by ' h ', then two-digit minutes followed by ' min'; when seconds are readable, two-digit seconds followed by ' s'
9 h 55 min
